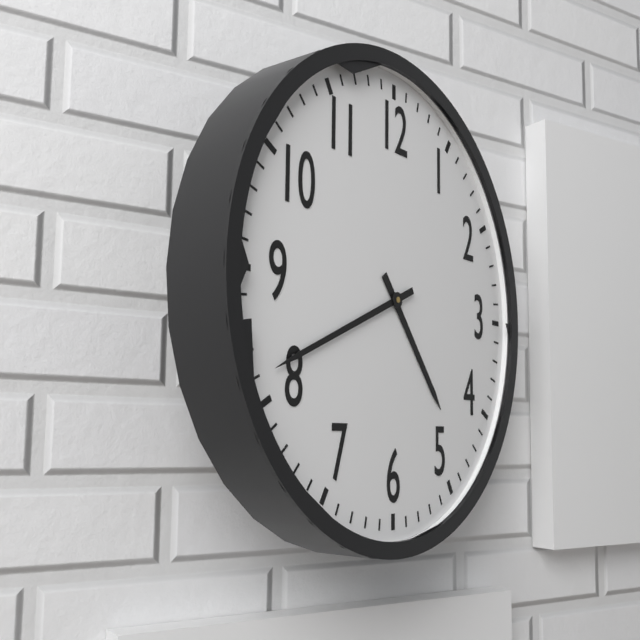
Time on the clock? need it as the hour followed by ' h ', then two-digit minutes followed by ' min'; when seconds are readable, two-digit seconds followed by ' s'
4 h 41 min
